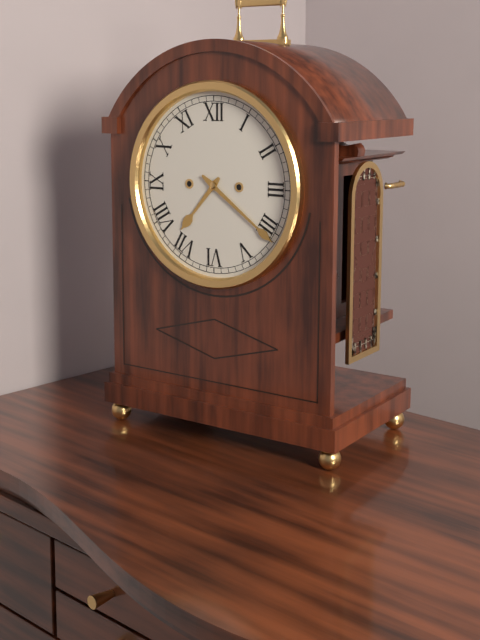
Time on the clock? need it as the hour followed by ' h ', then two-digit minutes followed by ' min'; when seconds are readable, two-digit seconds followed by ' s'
7 h 21 min
